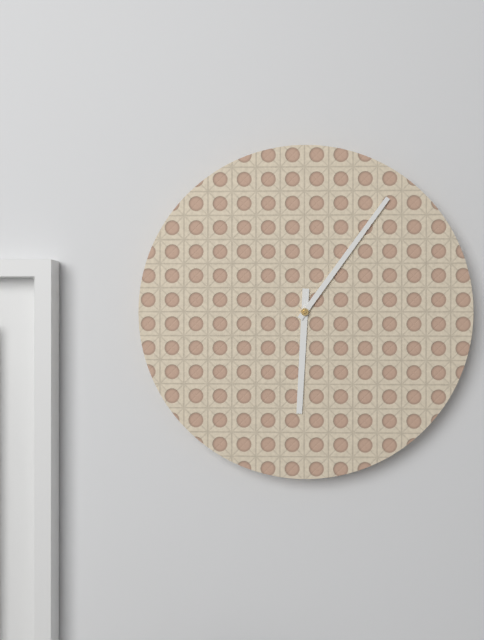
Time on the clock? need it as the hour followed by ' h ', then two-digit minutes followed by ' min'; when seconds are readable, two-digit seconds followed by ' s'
6 h 06 min
